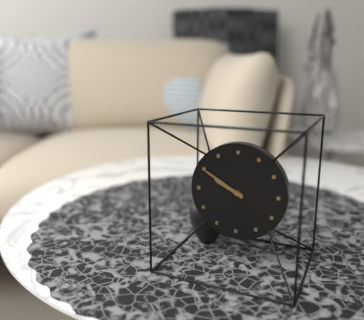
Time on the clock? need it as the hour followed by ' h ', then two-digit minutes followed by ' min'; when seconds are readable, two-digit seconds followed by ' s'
9 h 50 min
